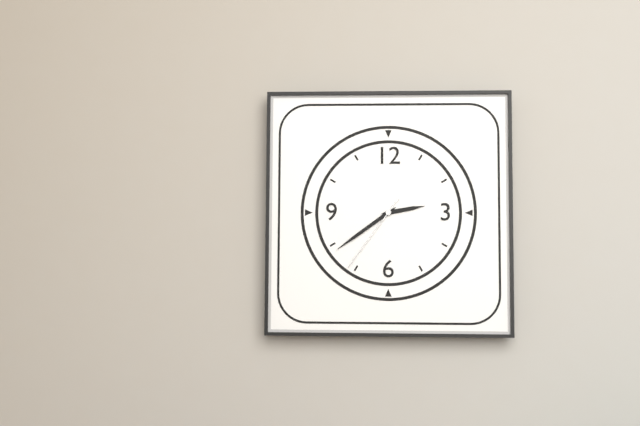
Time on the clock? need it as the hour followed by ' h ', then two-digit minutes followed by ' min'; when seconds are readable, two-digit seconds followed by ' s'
2 h 39 min 36 s
